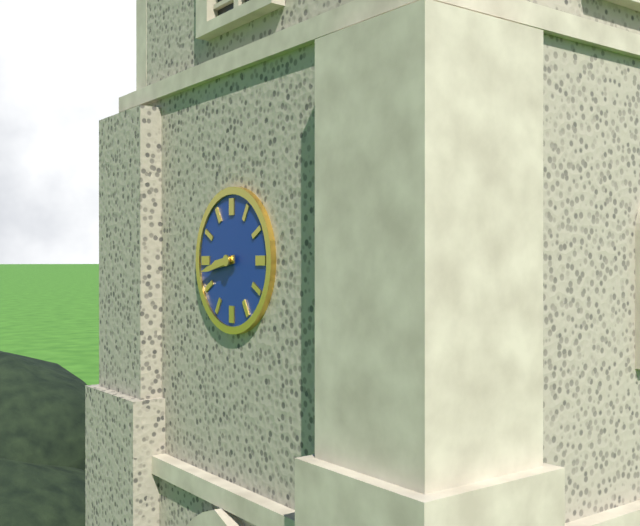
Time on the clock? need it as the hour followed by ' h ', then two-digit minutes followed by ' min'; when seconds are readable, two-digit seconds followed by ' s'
8 h 43 min
